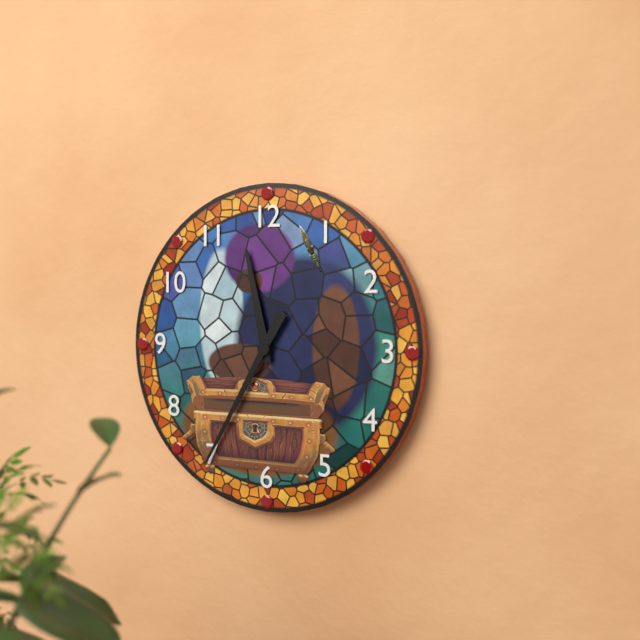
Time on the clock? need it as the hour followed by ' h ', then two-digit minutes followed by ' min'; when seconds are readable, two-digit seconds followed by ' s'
11 h 35 min
